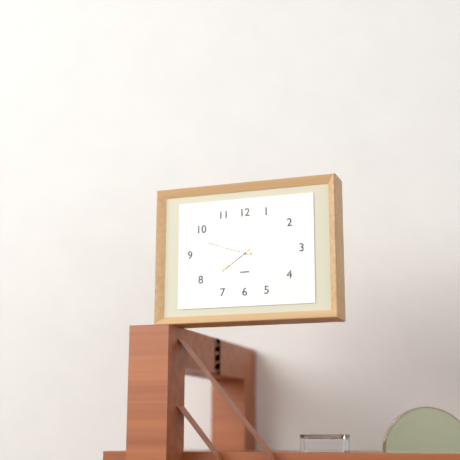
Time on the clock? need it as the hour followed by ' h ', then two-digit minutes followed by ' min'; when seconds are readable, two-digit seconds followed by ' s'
7 h 48 min
